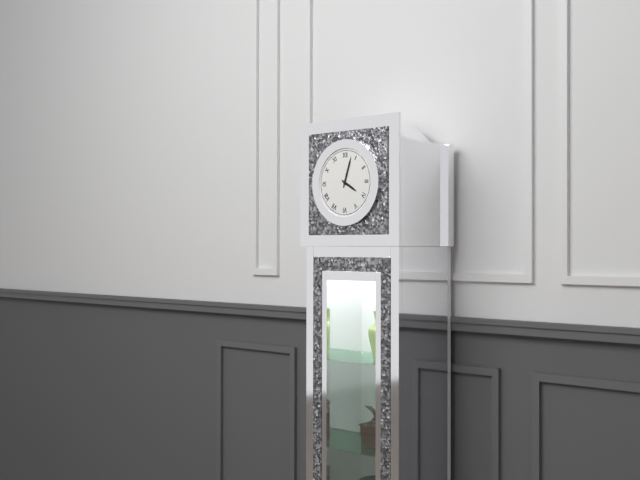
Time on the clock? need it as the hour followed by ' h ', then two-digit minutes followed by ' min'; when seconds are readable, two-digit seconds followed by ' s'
4 h 03 min
